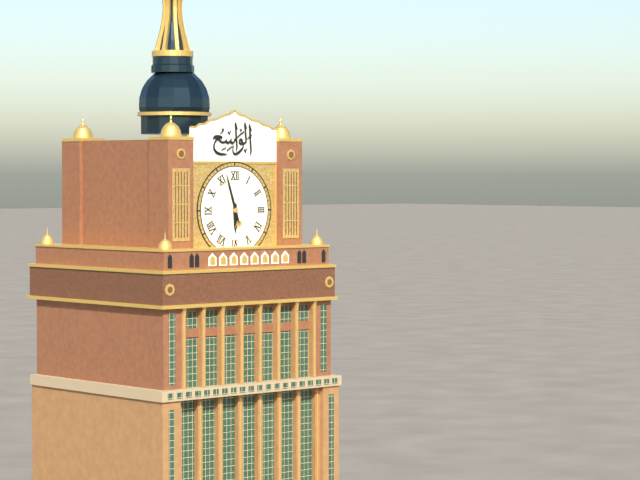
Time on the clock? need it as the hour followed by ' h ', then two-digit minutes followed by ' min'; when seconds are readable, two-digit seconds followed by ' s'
5 h 57 min
